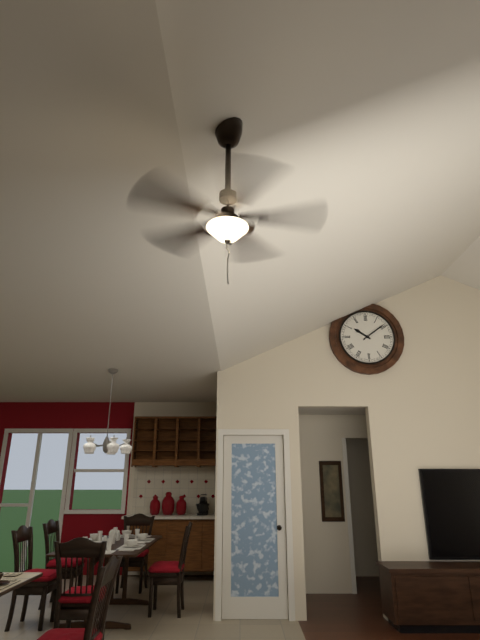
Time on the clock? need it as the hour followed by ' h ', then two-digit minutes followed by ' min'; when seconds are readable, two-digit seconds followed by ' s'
10 h 09 min
